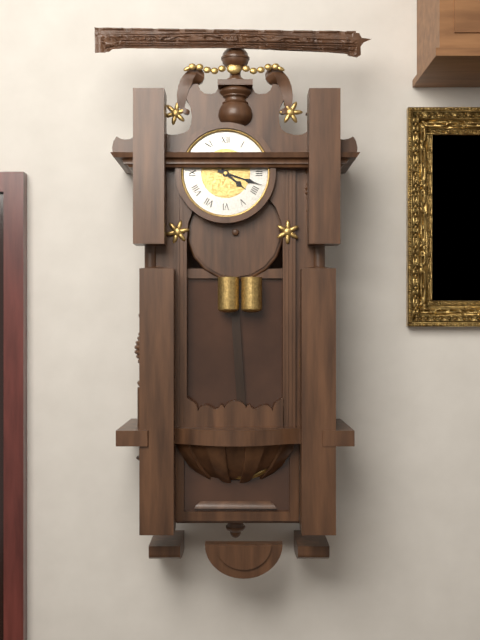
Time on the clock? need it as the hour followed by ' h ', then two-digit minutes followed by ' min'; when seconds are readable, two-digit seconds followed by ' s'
4 h 18 min
